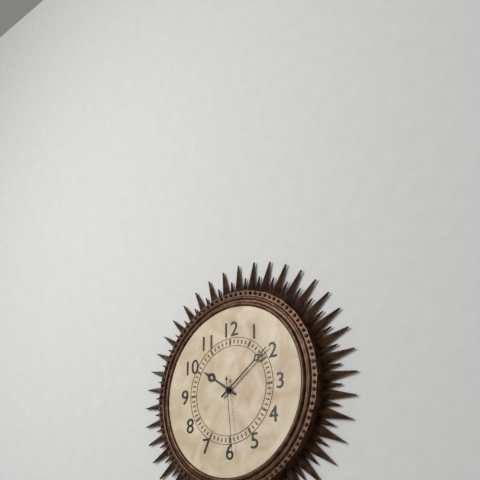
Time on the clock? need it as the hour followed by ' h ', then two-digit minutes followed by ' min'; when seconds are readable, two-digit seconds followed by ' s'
10 h 09 min 29 s
